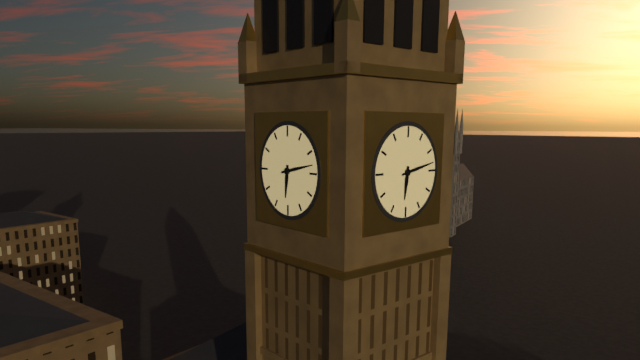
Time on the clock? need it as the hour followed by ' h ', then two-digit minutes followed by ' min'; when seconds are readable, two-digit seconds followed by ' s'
6 h 13 min
